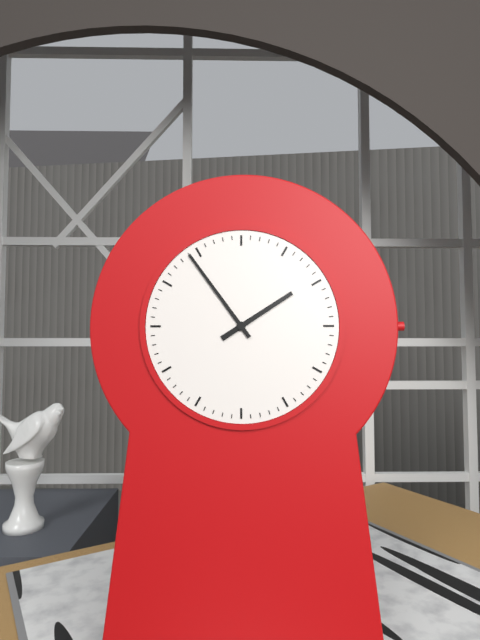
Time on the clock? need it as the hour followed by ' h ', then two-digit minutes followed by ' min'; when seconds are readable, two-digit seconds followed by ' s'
1 h 54 min
